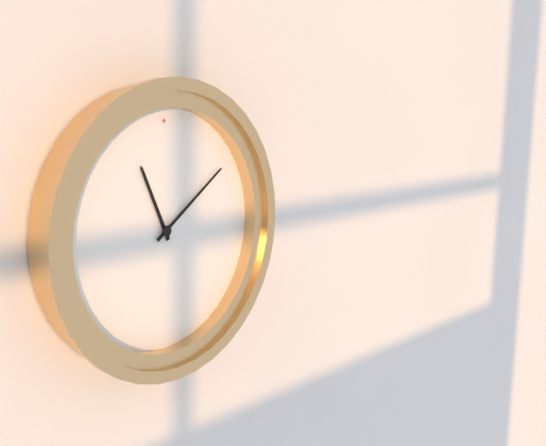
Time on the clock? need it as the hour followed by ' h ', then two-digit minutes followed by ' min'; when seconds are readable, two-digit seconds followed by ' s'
11 h 09 min
